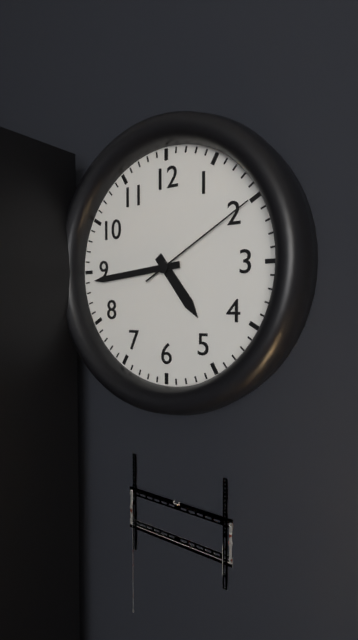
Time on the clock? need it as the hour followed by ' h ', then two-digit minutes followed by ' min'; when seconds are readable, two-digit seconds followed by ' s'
4 h 44 min 10 s
